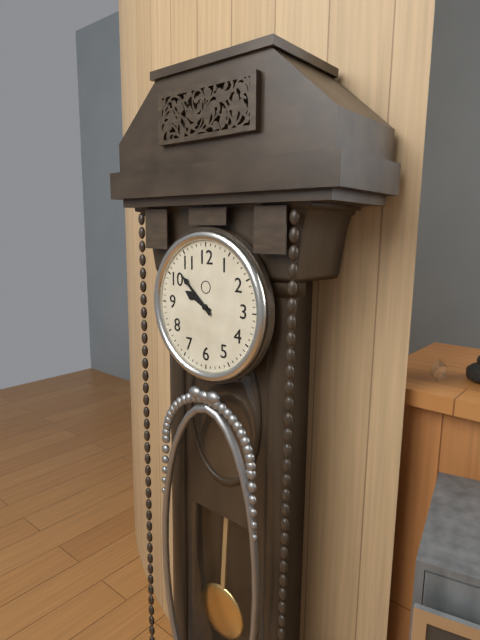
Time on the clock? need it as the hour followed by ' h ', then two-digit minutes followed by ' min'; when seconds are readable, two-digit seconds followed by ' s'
9 h 52 min
